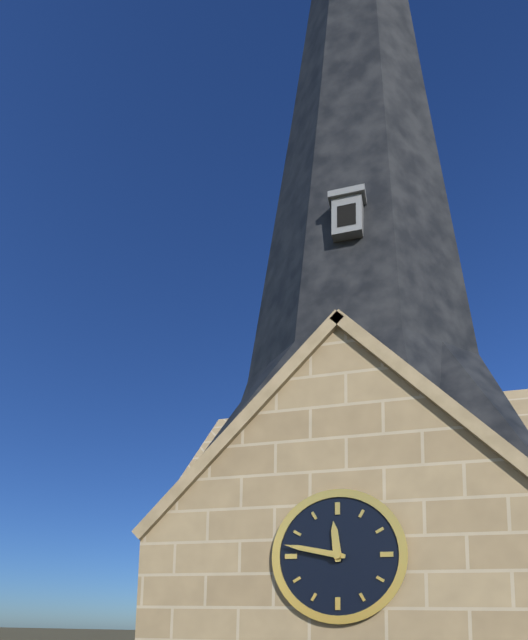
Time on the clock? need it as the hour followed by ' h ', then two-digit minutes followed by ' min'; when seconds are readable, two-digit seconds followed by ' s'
11 h 47 min
